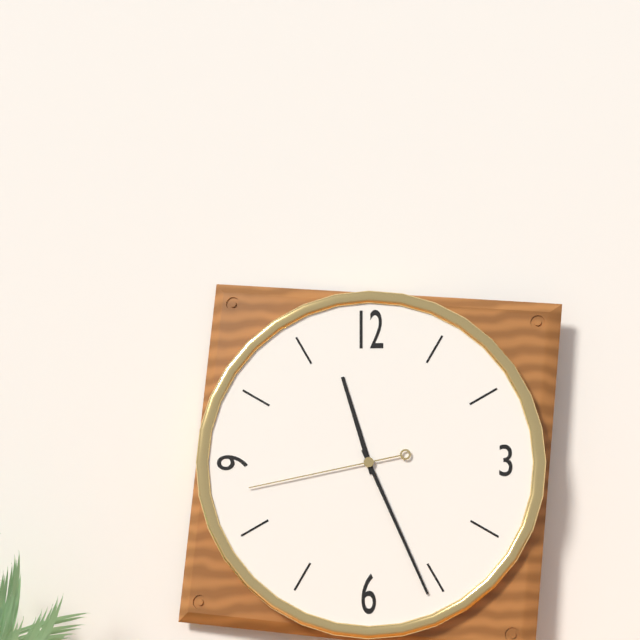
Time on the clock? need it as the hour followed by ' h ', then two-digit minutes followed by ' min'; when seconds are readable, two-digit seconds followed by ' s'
11 h 26 min 43 s
